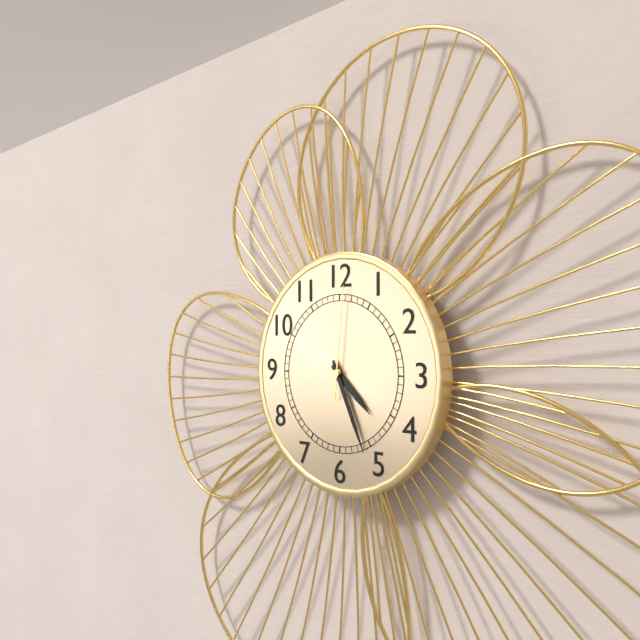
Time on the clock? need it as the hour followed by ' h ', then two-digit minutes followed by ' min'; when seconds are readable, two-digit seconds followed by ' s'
4 h 26 min 01 s
